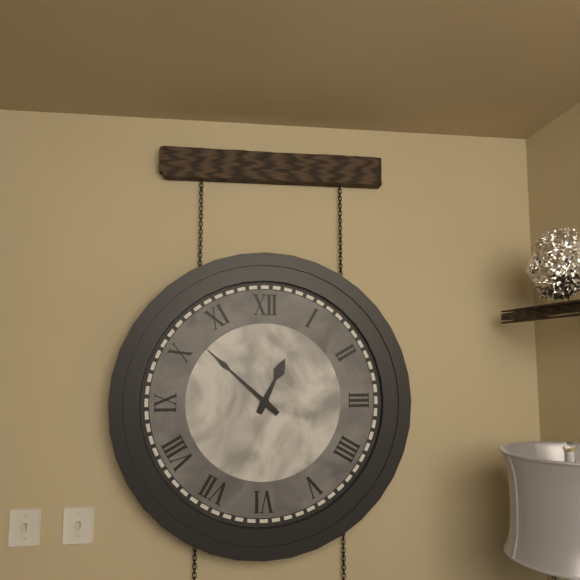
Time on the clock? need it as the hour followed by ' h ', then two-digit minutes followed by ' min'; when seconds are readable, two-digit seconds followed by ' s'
12 h 52 min
